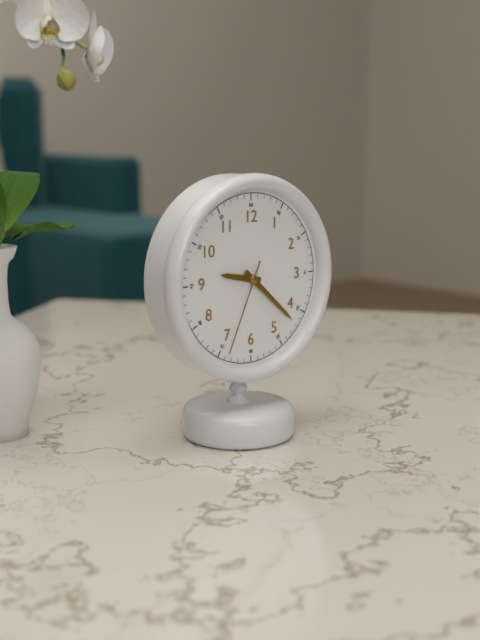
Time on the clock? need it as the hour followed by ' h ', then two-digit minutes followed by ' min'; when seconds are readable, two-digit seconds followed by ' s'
9 h 22 min 34 s
